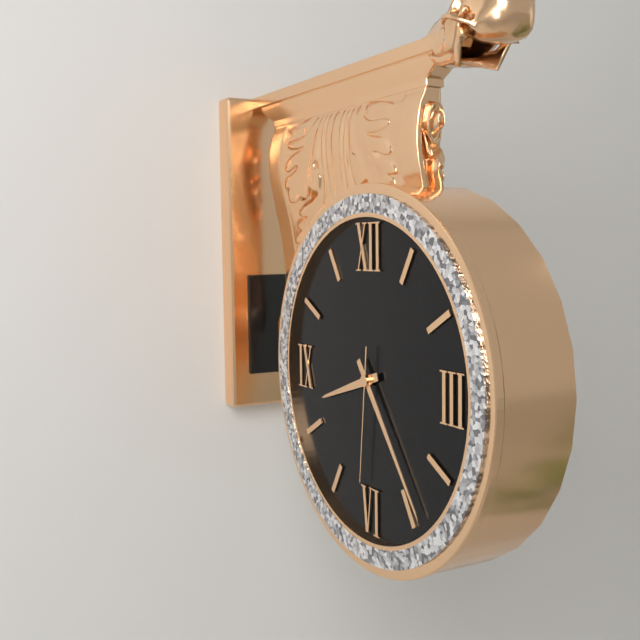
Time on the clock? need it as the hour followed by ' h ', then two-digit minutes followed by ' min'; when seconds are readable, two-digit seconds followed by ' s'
8 h 24 min 31 s
